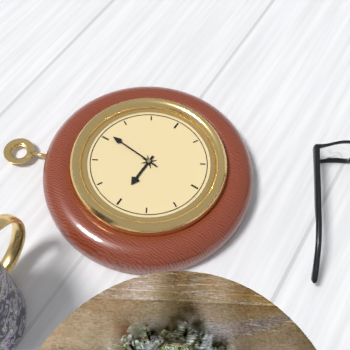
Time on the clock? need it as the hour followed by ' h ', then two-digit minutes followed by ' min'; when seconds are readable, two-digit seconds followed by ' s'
9 h 01 min
